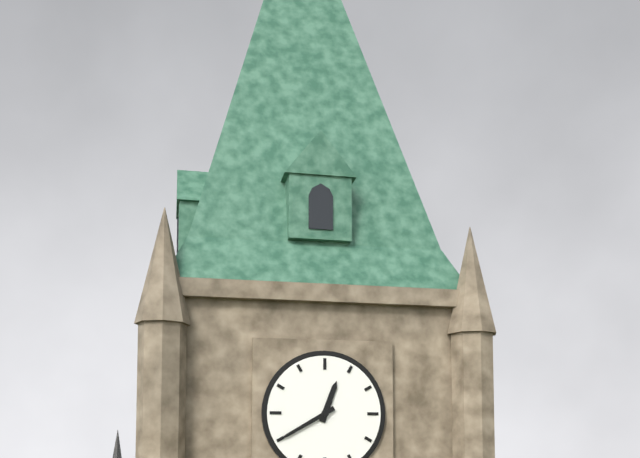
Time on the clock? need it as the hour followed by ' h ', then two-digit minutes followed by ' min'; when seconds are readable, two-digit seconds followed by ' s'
12 h 40 min
